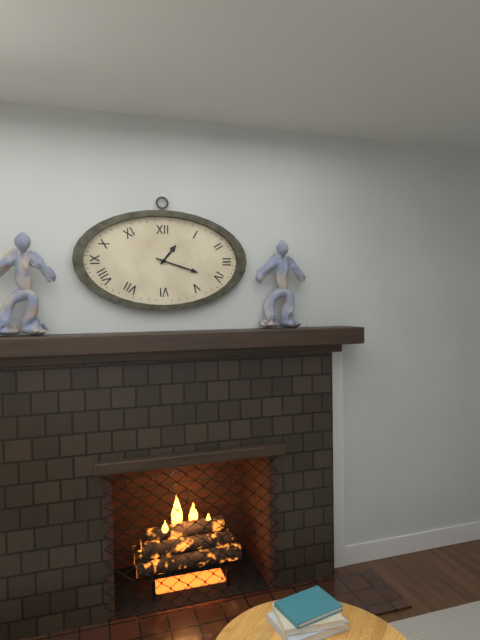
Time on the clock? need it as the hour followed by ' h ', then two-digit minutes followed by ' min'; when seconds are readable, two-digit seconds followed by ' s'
1 h 18 min
